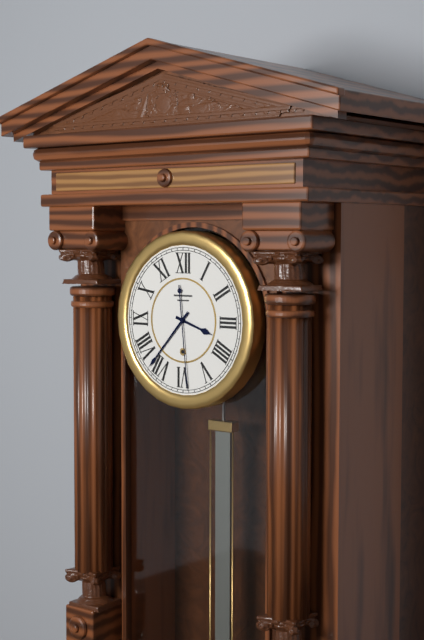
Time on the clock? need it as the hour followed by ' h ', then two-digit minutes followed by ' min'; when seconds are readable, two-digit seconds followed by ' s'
3 h 37 min 29 s
